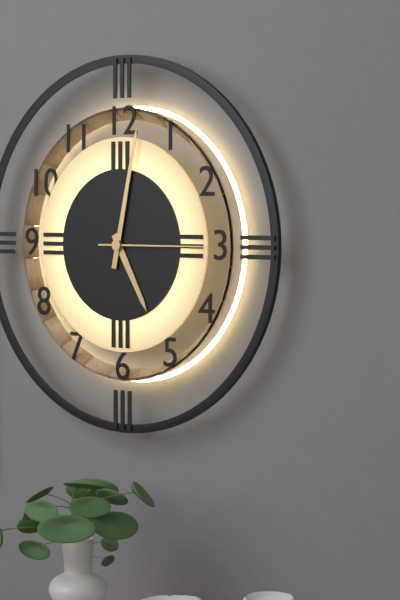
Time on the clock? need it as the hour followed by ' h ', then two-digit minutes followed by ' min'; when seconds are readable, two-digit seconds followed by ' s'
5 h 02 min 15 s
